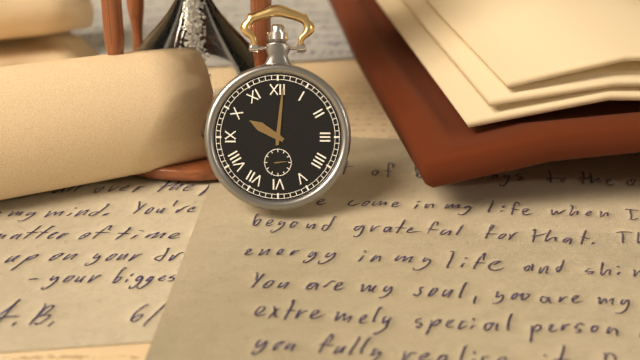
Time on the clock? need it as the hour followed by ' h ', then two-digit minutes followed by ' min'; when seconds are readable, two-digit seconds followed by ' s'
10 h 01 min
